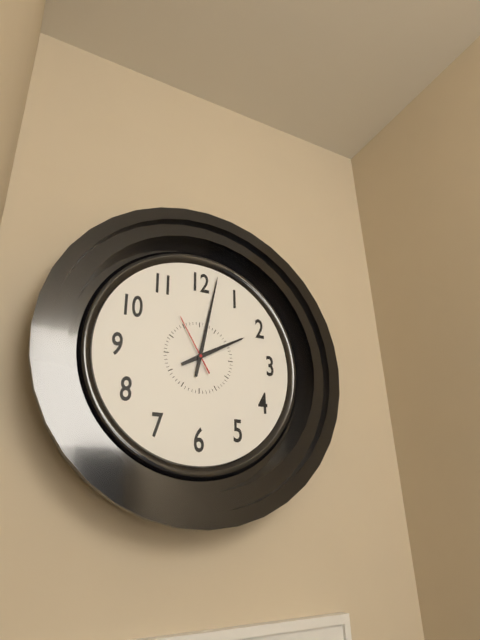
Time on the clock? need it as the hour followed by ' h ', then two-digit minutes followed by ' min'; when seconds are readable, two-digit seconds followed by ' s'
2 h 02 min 55 s
